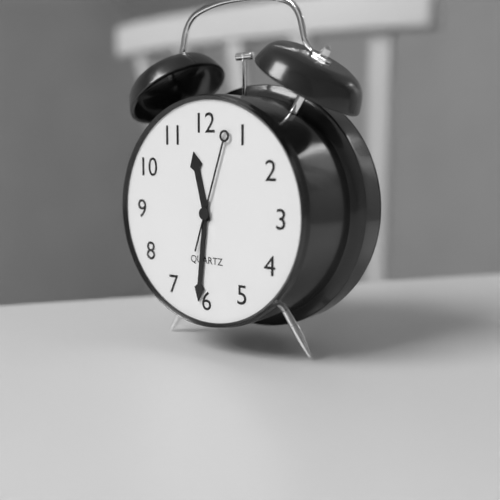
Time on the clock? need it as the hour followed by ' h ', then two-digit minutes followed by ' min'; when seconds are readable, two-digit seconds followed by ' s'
11 h 31 min 03 s
